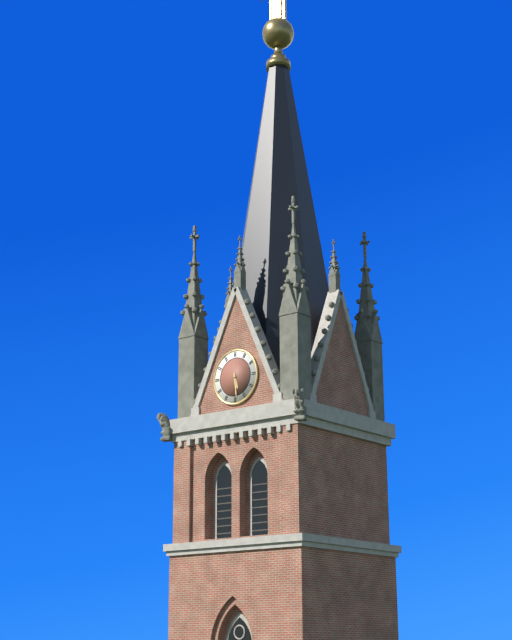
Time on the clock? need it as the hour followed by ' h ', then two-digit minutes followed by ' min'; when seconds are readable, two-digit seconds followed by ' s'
5 h 29 min
